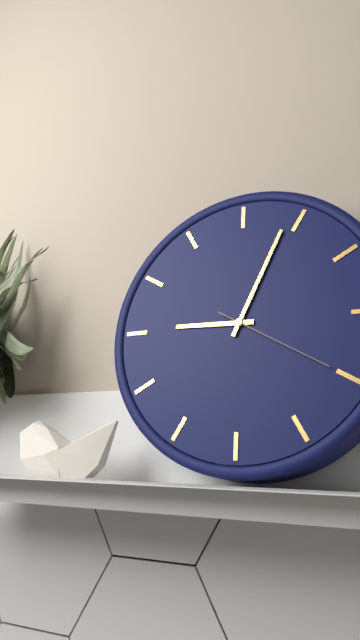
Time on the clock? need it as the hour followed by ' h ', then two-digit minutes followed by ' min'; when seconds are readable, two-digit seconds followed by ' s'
9 h 04 min 20 s
